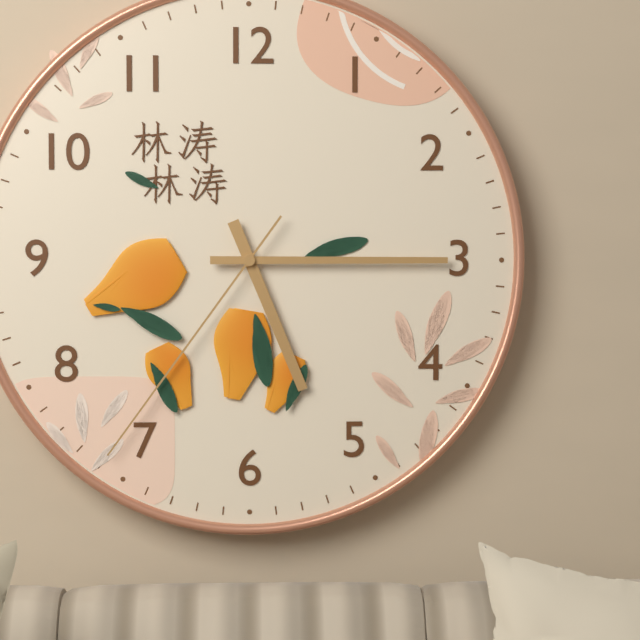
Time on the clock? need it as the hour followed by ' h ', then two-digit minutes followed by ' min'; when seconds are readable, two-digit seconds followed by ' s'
5 h 15 min 36 s
